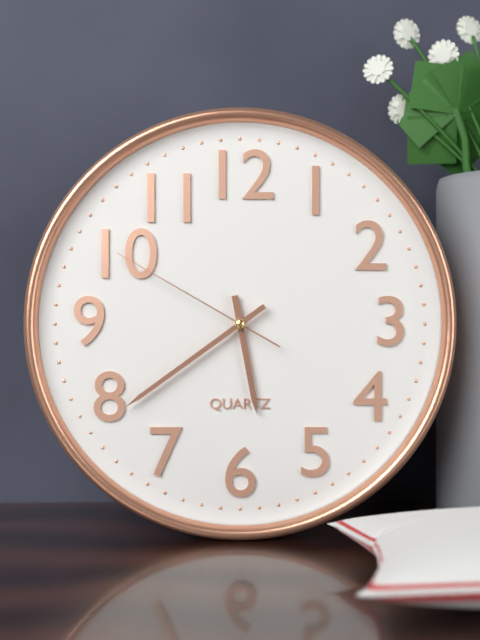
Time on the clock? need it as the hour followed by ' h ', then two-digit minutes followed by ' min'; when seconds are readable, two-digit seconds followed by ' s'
5 h 39 min 50 s
